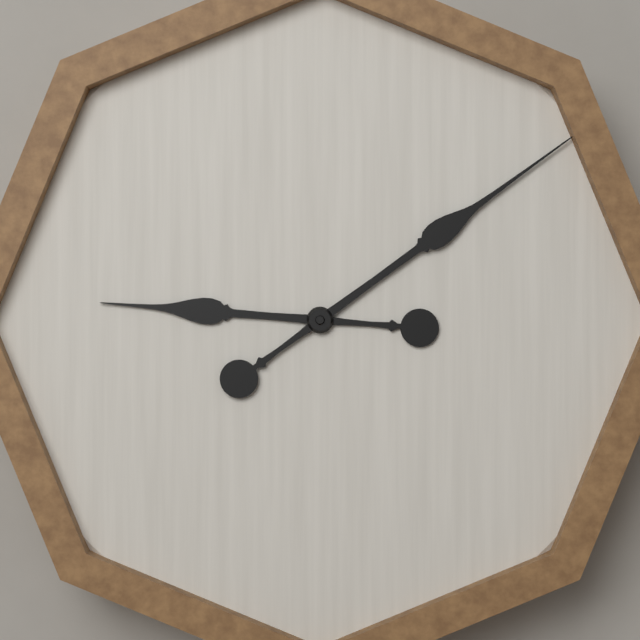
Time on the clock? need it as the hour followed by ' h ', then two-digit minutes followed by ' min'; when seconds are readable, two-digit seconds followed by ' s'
9 h 09 min
